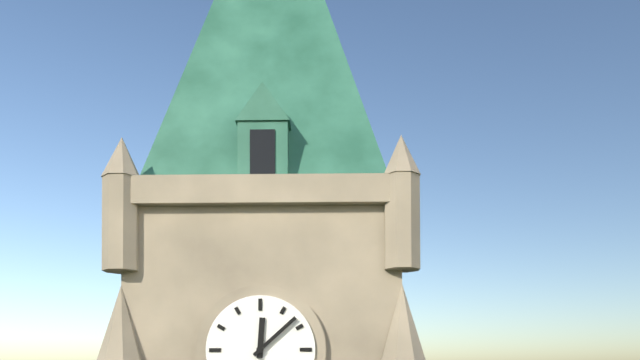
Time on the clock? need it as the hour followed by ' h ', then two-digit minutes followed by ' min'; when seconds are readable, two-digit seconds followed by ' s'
12 h 08 min
